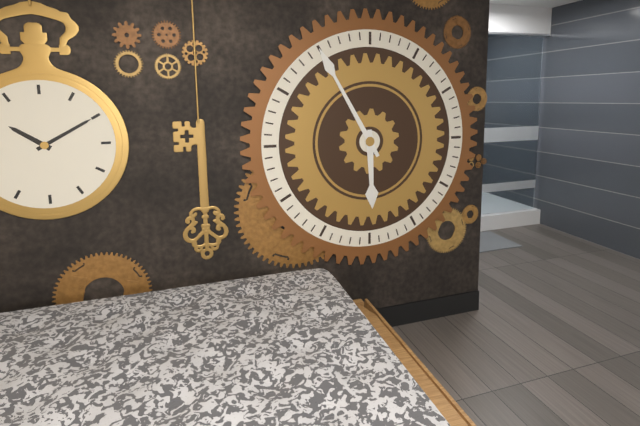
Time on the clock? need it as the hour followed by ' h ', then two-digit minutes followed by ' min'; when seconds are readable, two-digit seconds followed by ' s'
5 h 55 min
